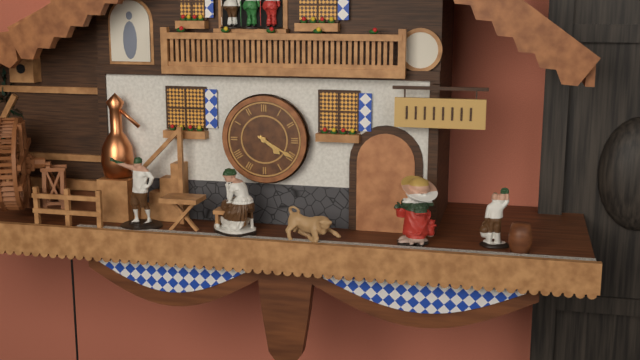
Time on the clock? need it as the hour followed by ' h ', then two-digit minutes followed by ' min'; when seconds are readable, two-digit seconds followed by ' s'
4 h 20 min
